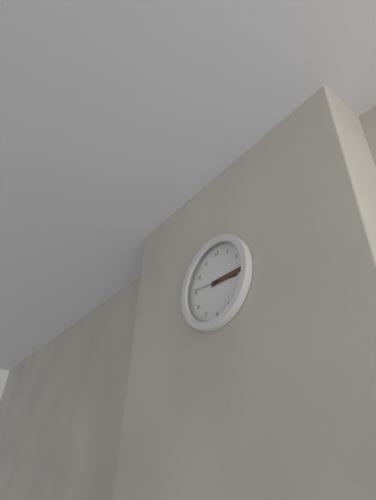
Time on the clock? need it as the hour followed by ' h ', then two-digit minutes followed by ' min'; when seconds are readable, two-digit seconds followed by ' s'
3 h 15 min
